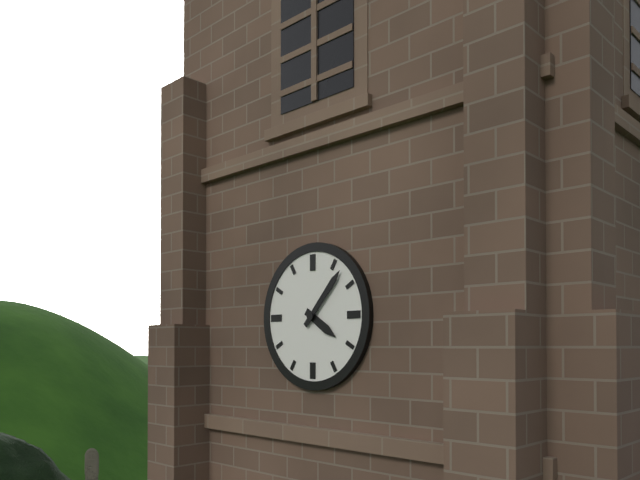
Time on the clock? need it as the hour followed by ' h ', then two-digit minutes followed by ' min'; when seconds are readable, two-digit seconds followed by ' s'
4 h 07 min
